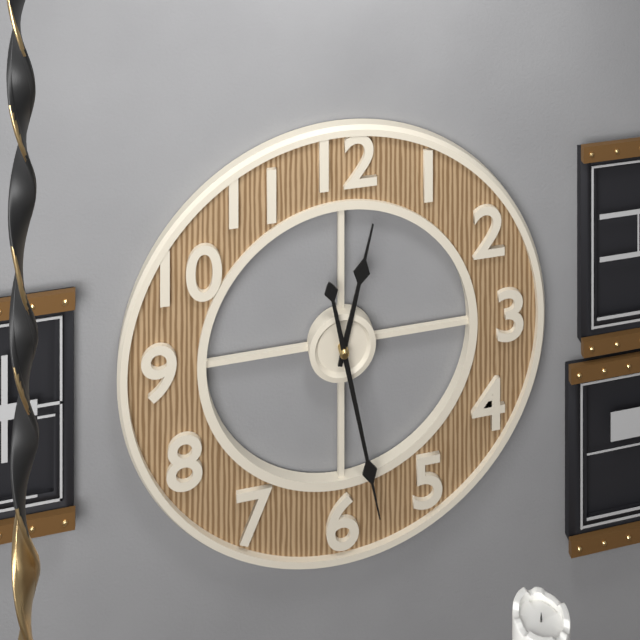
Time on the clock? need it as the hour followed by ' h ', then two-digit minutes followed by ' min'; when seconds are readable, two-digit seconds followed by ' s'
12 h 28 min
